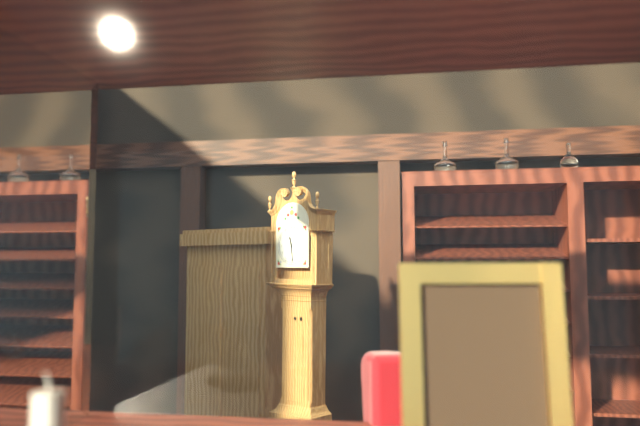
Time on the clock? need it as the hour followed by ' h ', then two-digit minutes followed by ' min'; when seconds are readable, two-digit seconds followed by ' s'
11 h 29 min
